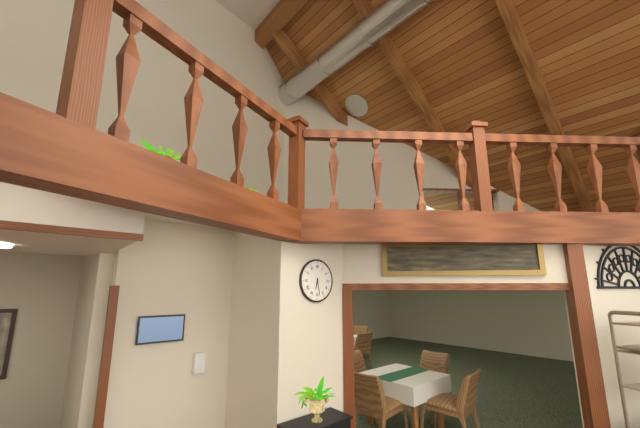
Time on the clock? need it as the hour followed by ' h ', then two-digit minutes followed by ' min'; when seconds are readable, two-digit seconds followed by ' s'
6 h 28 min
